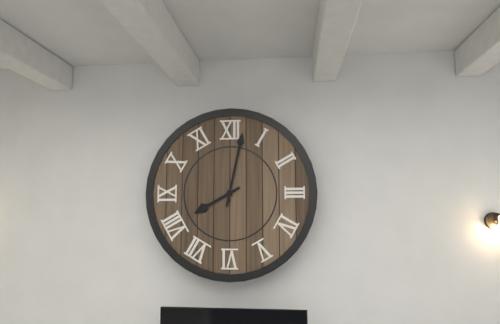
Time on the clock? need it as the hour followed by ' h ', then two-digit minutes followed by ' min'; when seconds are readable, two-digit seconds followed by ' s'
8 h 02 min
